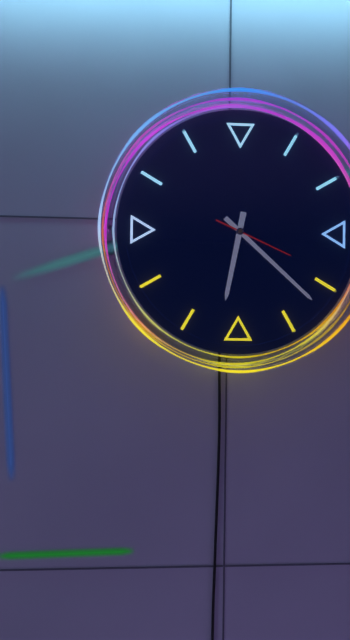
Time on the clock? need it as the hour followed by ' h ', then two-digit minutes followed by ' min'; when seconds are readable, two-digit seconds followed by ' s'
6 h 22 min 19 s
